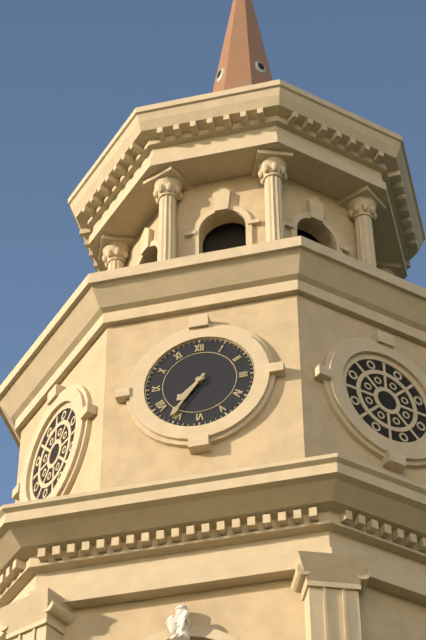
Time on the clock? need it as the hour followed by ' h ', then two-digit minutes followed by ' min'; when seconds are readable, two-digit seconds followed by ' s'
7 h 36 min
